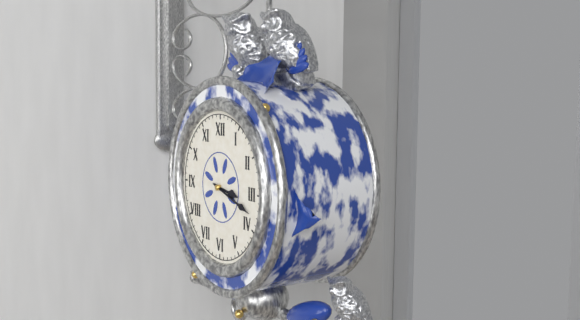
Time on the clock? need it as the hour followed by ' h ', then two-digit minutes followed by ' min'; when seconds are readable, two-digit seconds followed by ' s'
3 h 18 min
